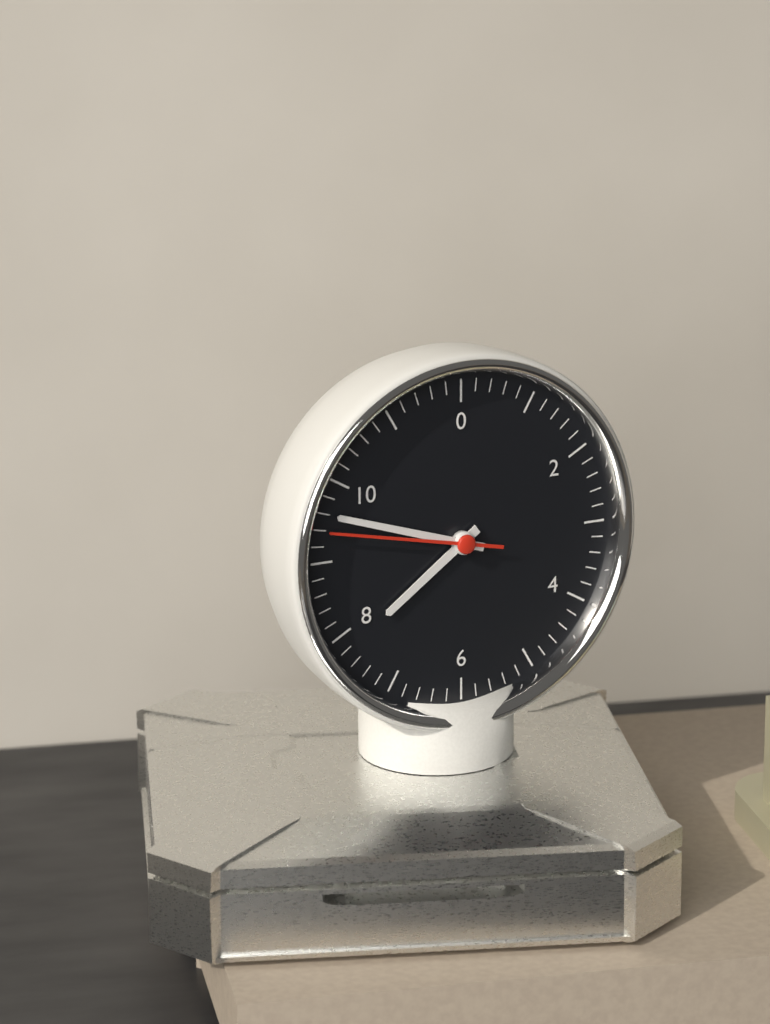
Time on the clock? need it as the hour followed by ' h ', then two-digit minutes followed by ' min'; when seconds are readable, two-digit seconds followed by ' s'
7 h 48 min 47 s
